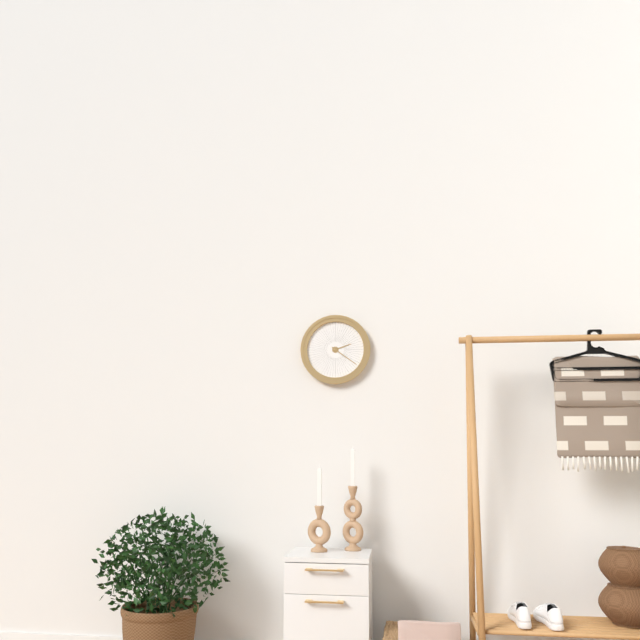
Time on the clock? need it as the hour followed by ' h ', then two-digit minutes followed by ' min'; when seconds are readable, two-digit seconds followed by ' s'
2 h 21 min
